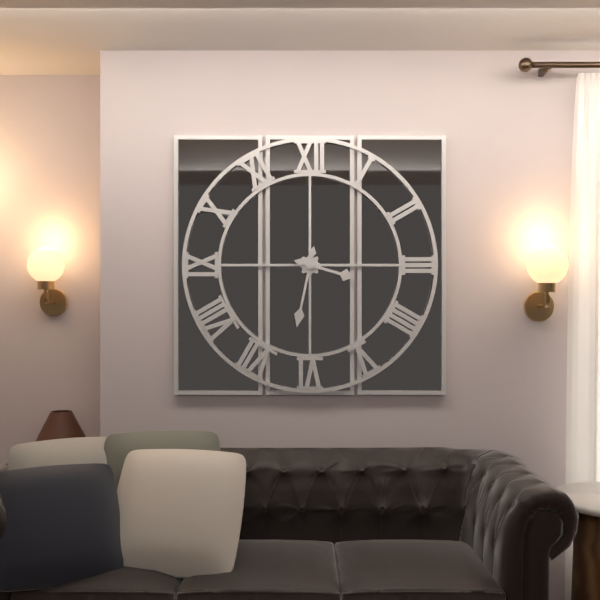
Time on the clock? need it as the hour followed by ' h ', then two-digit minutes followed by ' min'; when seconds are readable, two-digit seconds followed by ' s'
3 h 32 min
